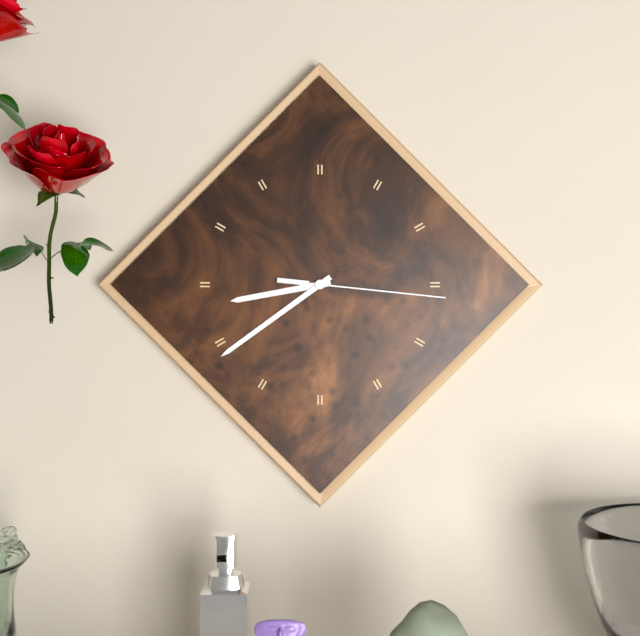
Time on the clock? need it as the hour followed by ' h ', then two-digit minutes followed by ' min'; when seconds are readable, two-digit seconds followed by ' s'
8 h 39 min 16 s
